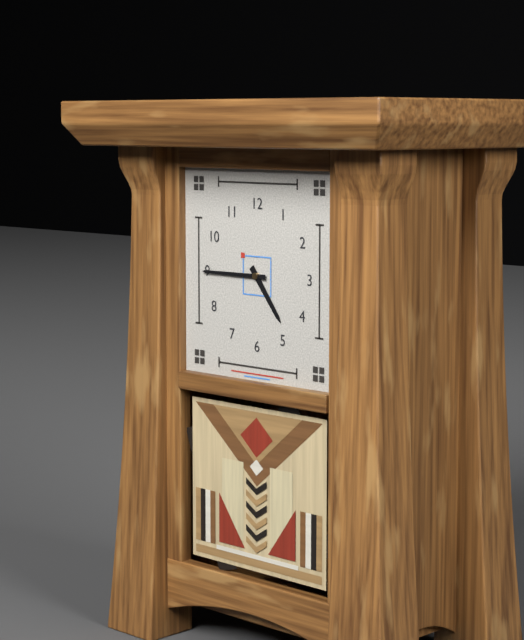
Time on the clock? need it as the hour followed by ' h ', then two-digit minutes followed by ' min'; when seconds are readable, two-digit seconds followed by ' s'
4 h 45 min
